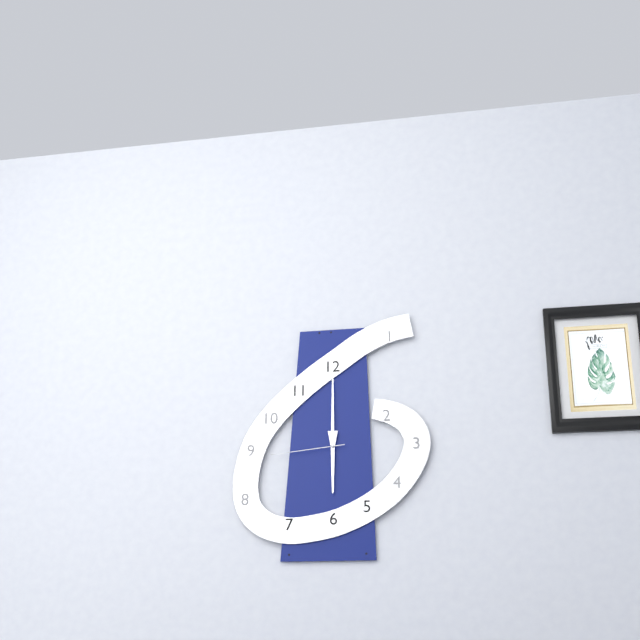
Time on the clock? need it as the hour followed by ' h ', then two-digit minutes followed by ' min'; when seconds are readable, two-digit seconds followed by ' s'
6 h 00 min 44 s
